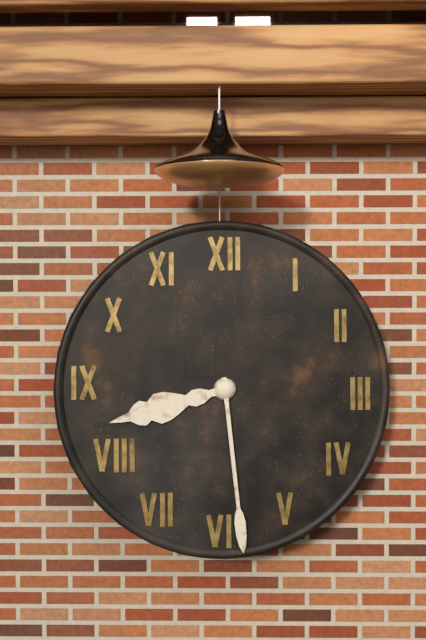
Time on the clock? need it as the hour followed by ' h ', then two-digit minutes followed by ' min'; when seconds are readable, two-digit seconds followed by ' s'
8 h 29 min
